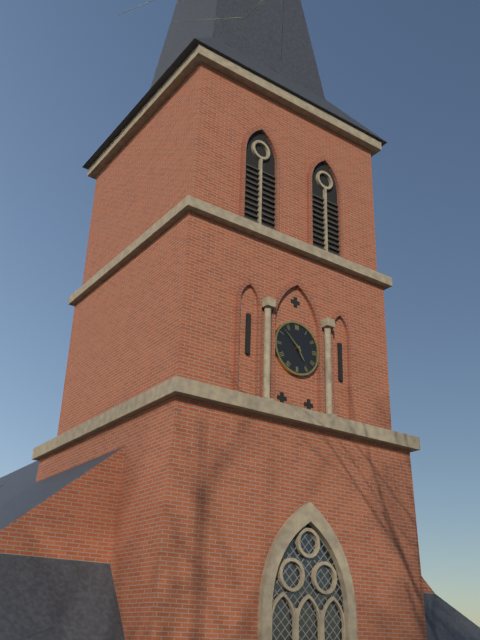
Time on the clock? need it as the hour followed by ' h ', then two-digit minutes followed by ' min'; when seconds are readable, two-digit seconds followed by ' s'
4 h 52 min
